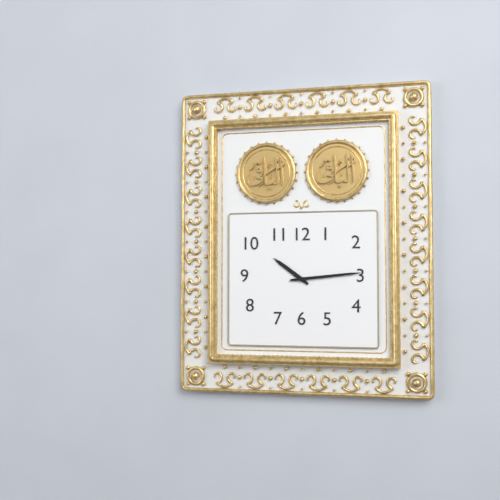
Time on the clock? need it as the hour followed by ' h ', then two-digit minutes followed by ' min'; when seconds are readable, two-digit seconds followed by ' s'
10 h 14 min
